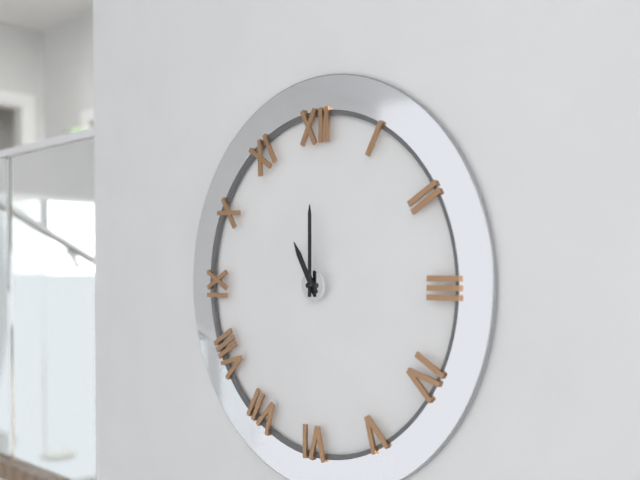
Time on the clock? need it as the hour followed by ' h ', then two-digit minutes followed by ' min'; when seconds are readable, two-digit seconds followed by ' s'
11 h 00 min
